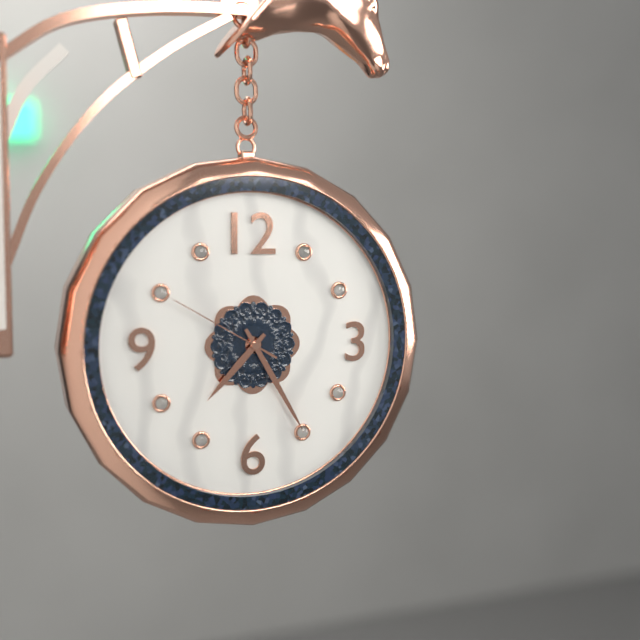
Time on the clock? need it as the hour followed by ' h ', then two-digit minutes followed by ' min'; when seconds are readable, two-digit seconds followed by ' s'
7 h 25 min 50 s
